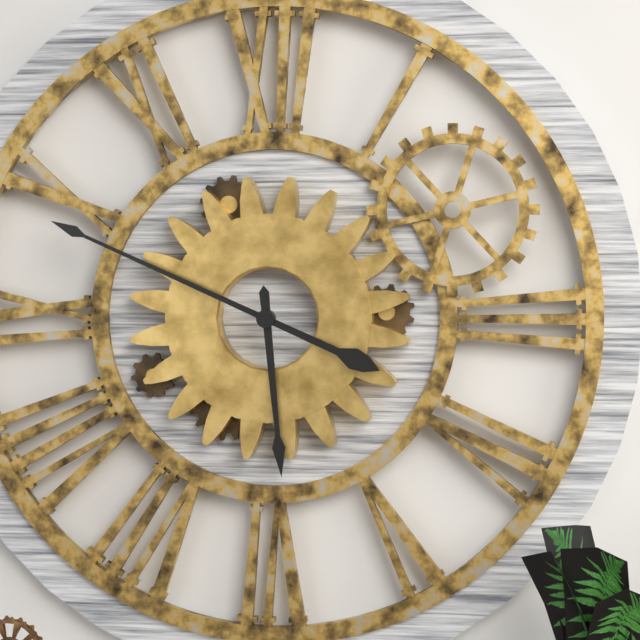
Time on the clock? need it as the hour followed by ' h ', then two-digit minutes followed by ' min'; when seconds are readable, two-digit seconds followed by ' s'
5 h 49 min
